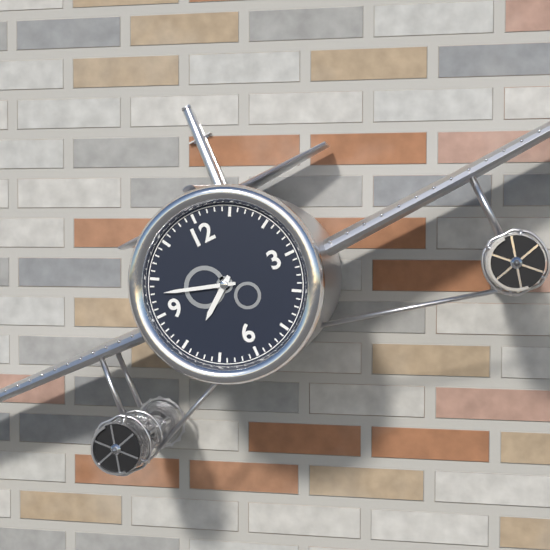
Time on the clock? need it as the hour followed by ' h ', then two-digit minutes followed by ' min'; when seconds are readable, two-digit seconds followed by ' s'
7 h 48 min
